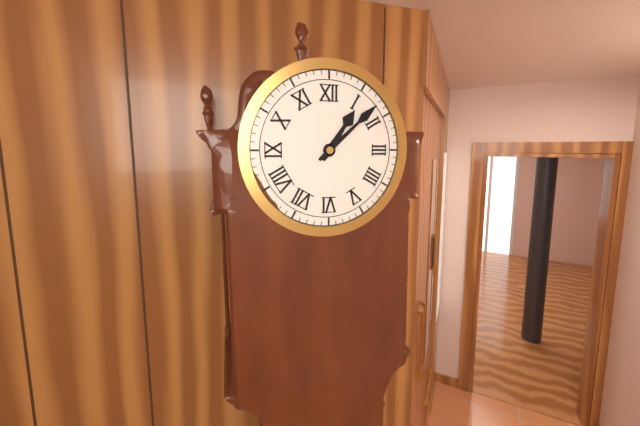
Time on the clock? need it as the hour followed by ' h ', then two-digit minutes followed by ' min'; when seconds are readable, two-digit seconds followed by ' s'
1 h 08 min
